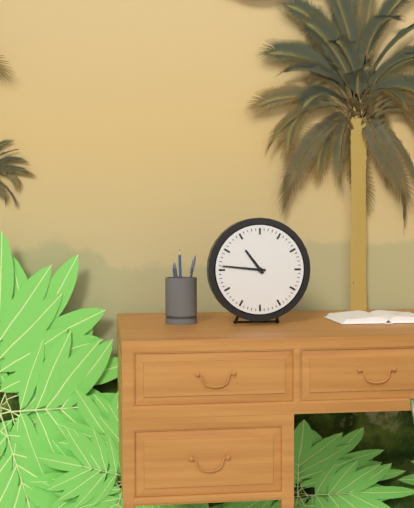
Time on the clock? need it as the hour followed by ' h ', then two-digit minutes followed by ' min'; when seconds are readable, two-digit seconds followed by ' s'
10 h 46 min
